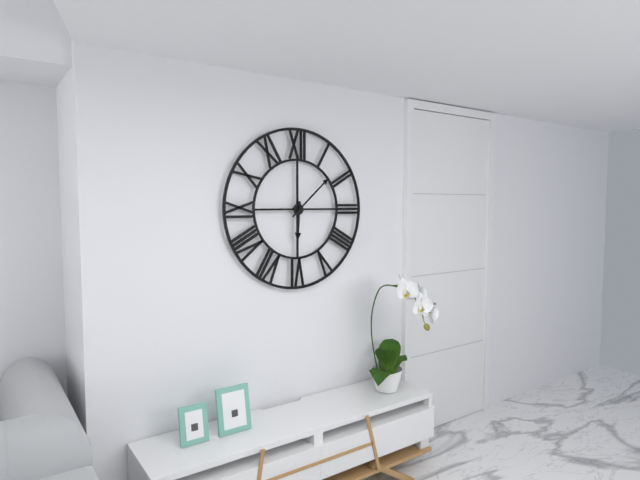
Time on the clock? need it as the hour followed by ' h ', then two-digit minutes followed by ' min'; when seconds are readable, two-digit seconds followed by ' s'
6 h 08 min
